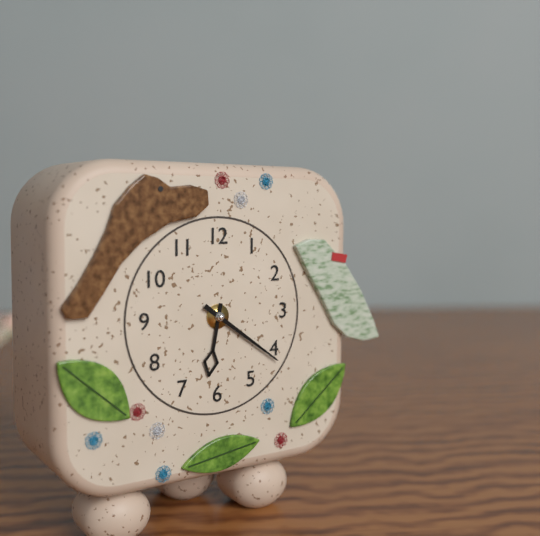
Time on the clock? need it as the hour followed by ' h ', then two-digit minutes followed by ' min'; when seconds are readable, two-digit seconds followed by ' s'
6 h 21 min
